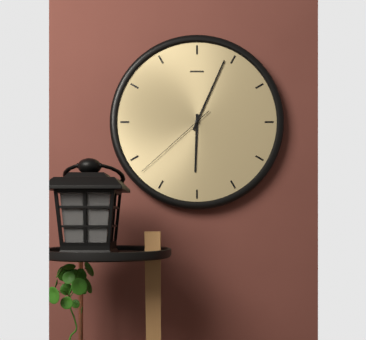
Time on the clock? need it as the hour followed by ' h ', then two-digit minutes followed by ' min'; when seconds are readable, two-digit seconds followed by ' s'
6 h 04 min 38 s
